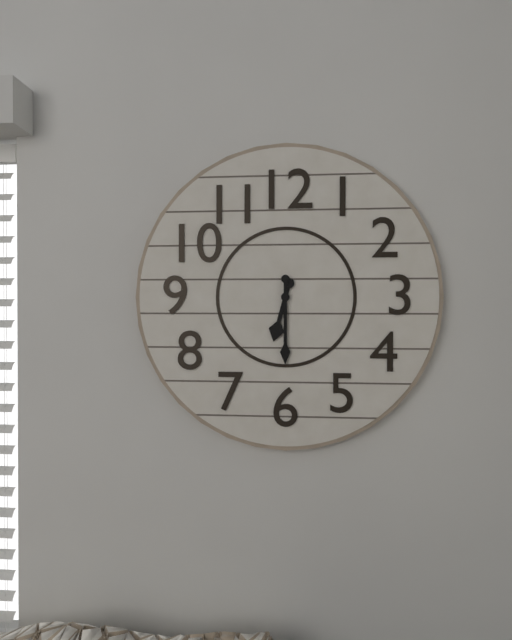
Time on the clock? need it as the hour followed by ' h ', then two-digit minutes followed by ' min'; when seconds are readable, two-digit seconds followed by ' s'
6 h 30 min
